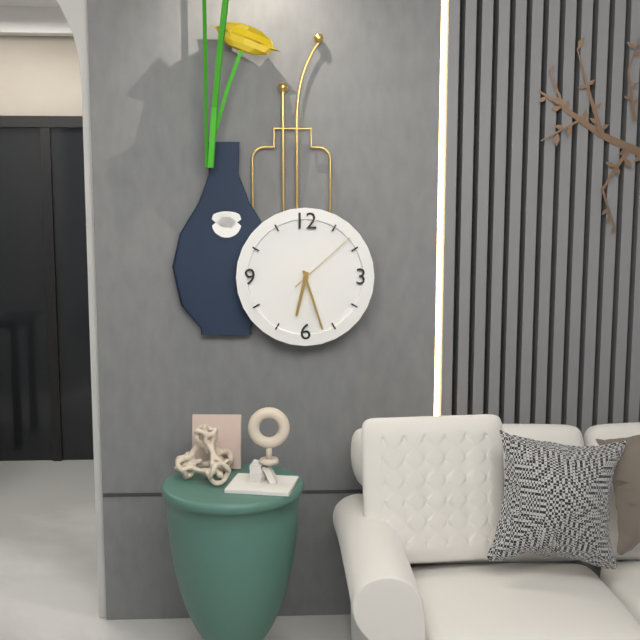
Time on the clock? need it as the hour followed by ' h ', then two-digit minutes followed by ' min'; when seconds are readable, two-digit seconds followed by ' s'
6 h 27 min 08 s
